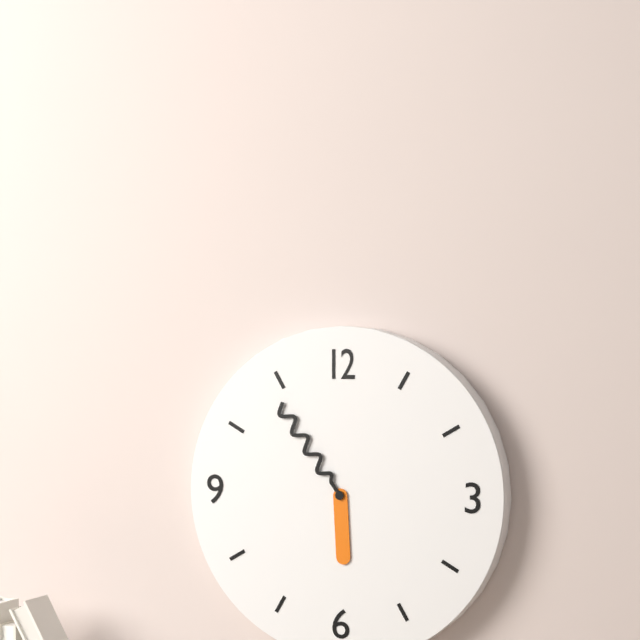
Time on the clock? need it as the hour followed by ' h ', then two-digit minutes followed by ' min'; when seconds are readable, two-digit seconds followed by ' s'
5 h 54 min
